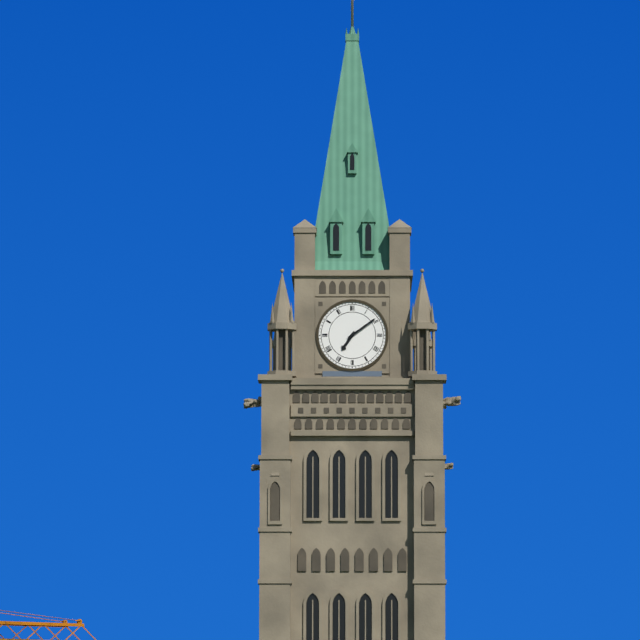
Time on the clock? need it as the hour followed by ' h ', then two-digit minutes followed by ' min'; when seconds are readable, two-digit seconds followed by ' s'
7 h 09 min
